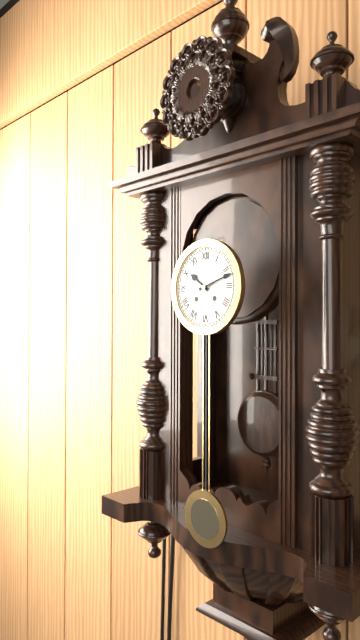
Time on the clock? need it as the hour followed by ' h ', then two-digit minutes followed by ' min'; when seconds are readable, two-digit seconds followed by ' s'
10 h 12 min
